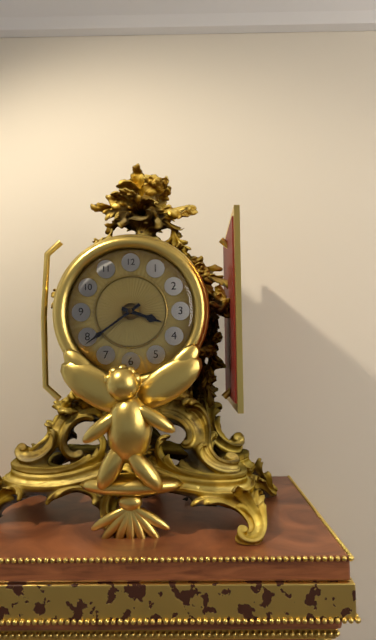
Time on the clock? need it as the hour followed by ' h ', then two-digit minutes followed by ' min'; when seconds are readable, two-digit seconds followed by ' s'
3 h 39 min
